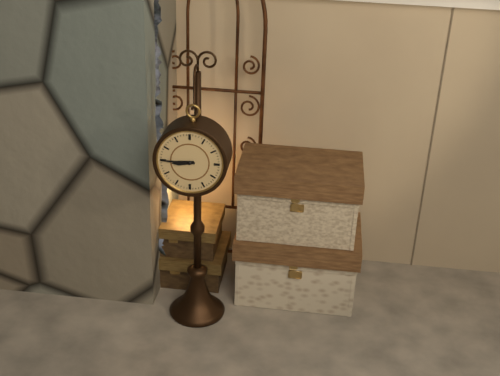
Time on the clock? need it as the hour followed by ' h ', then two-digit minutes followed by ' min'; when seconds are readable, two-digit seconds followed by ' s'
8 h 45 min
